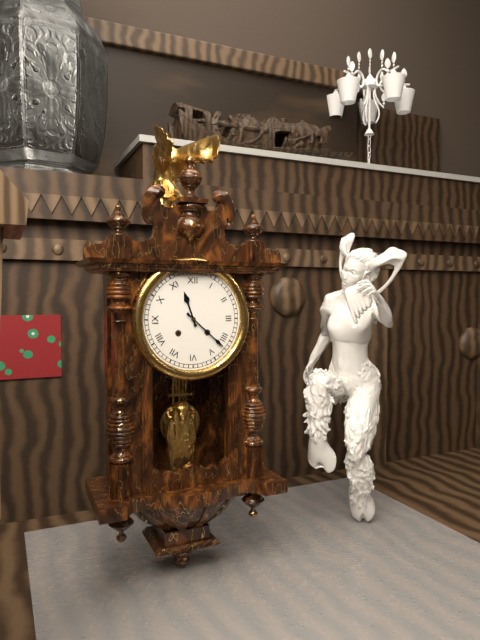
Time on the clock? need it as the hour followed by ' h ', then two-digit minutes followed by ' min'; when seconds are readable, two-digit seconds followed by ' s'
11 h 22 min
